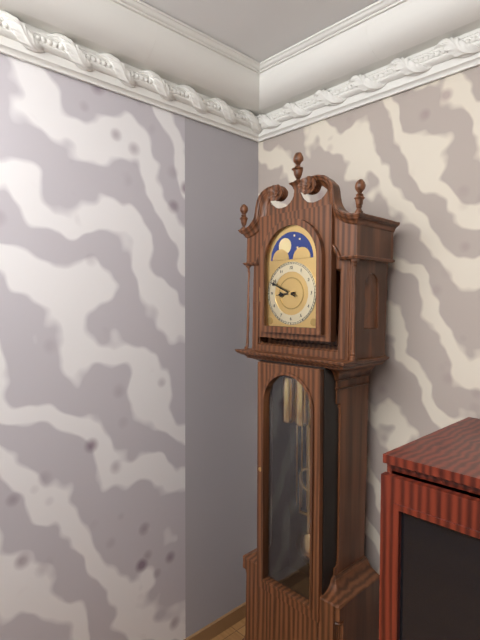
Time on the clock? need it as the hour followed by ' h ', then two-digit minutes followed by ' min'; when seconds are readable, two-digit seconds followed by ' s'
8 h 49 min
